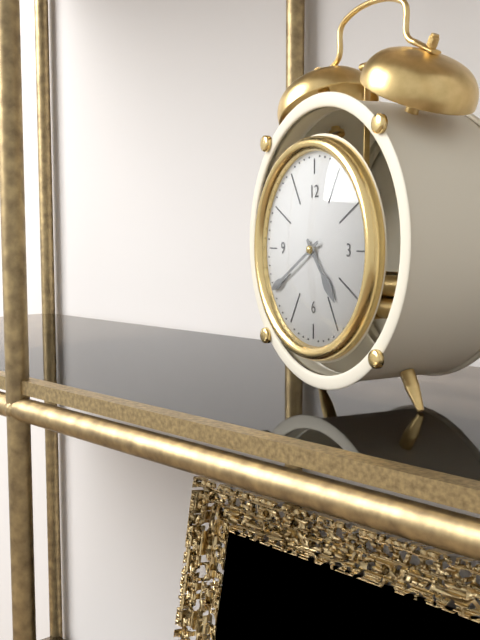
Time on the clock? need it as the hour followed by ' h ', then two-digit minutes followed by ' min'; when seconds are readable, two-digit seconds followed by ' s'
4 h 40 min
